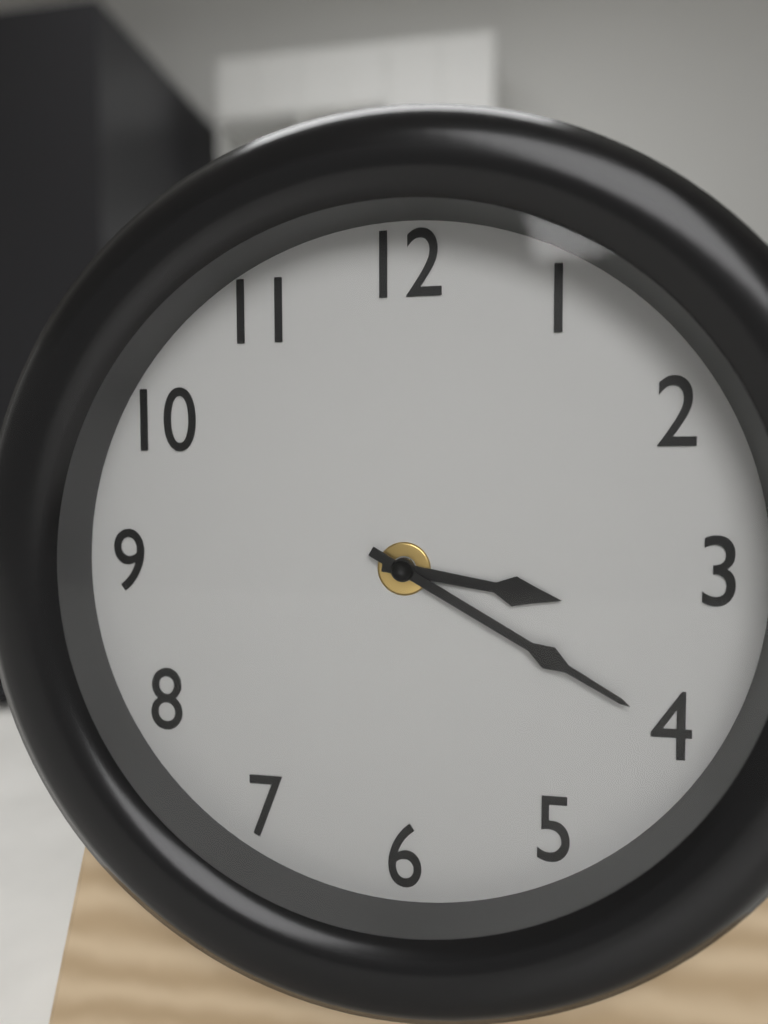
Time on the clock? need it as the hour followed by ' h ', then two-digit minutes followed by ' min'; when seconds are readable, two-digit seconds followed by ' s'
3 h 20 min
